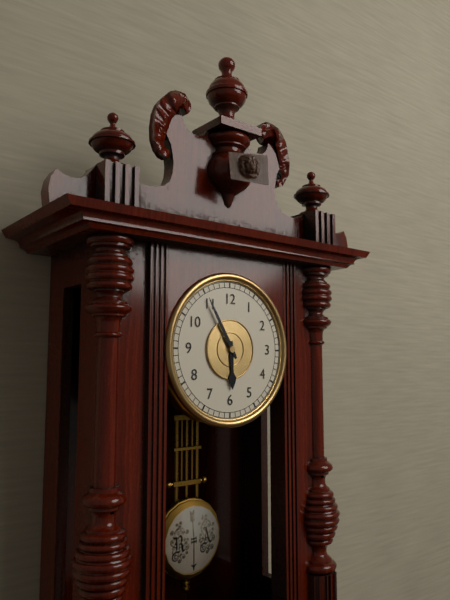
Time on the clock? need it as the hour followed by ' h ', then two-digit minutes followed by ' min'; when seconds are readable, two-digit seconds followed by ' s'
5 h 55 min
